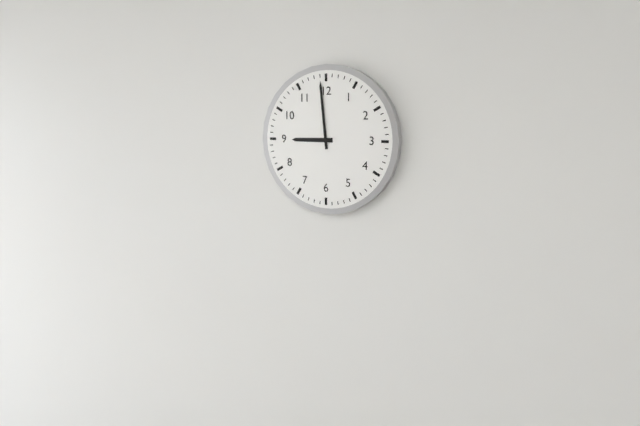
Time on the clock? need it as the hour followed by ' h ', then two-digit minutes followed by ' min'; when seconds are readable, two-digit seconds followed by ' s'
8 h 59 min
